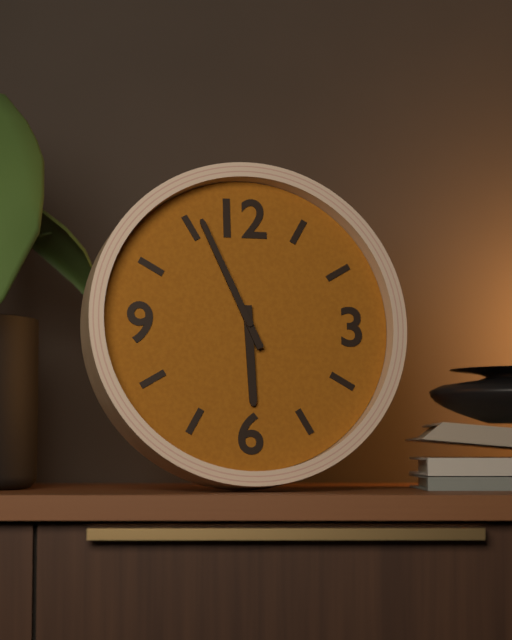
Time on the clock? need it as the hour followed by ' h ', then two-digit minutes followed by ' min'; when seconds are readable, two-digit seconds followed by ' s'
5 h 56 min
